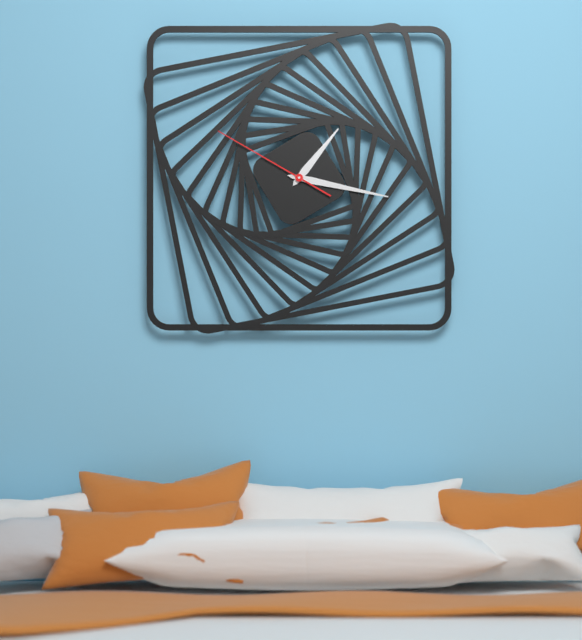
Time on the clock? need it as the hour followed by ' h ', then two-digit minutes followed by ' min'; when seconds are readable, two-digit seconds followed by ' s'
1 h 17 min 50 s
